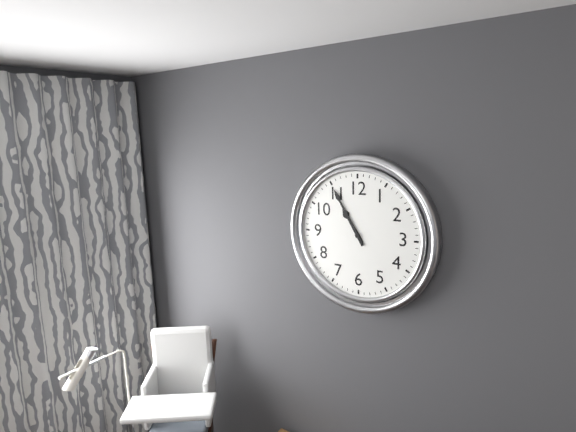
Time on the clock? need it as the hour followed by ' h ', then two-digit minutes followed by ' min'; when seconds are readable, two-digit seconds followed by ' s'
10 h 55 min
